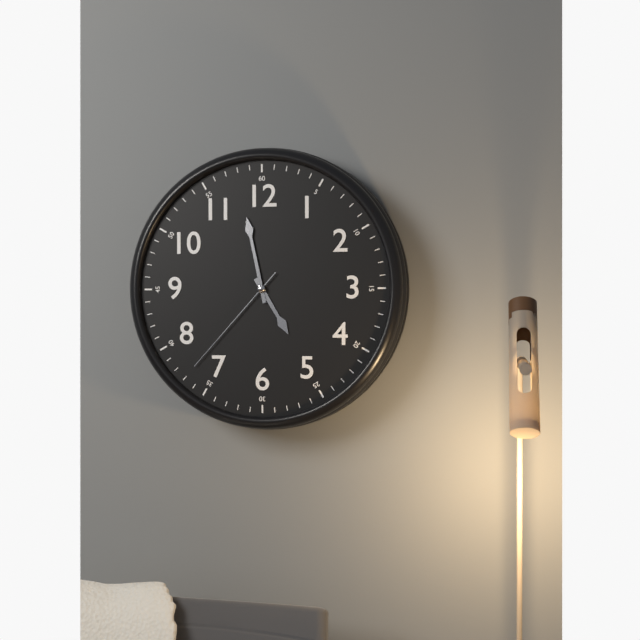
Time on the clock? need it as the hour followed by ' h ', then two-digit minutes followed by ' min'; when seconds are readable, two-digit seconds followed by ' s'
4 h 58 min 37 s
